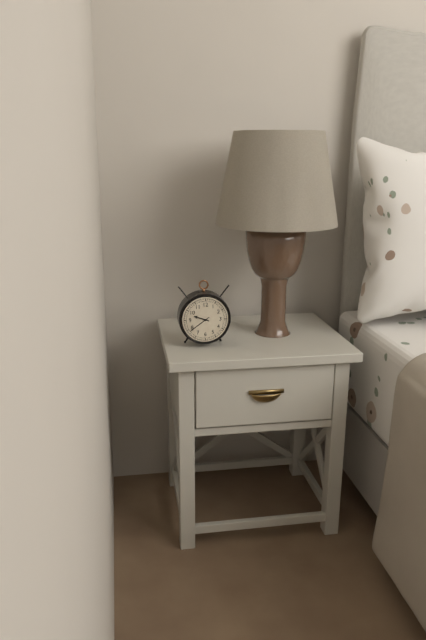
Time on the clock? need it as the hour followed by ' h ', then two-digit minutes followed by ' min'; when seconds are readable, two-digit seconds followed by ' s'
9 h 39 min
